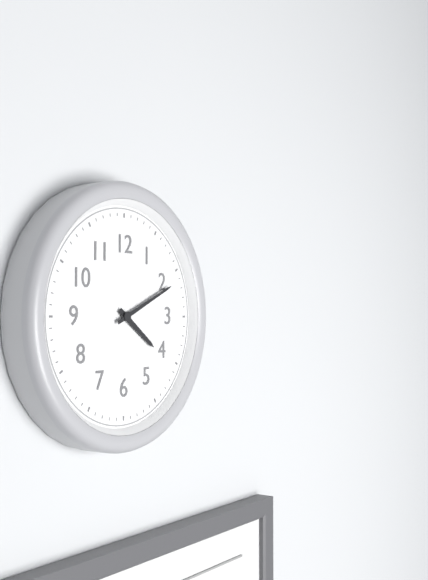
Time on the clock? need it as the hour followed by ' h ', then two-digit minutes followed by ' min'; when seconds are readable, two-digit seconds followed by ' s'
4 h 11 min
